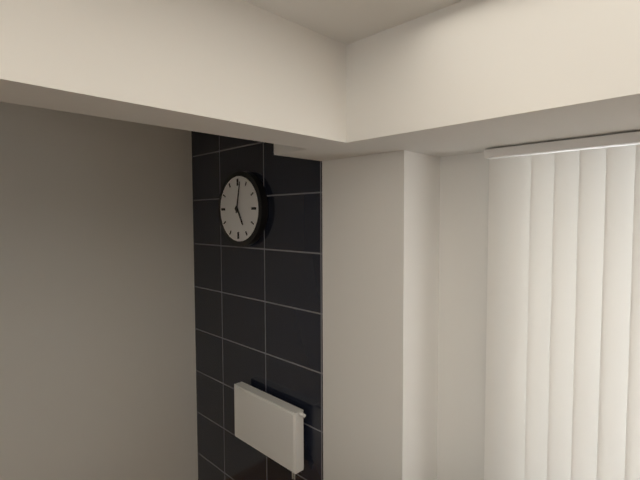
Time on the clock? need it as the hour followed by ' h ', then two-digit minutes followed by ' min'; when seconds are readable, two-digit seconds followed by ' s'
5 h 02 min
